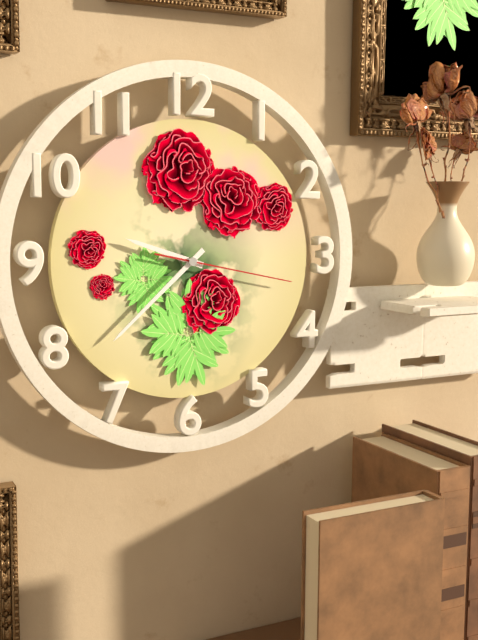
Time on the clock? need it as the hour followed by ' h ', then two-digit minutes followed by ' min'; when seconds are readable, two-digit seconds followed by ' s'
9 h 38 min 17 s
